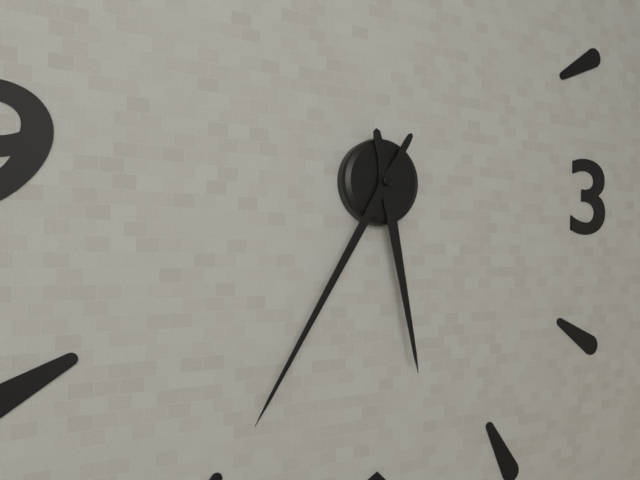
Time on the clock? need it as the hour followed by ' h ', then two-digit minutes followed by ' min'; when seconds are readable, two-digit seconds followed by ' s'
5 h 35 min
